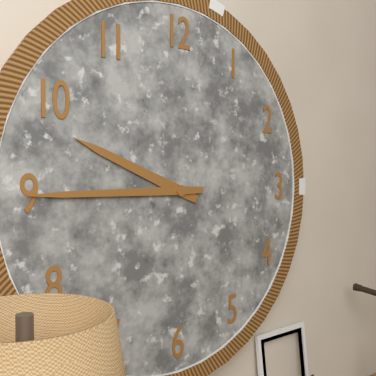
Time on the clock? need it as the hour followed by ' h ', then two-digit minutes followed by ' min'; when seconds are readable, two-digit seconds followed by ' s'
9 h 45 min
